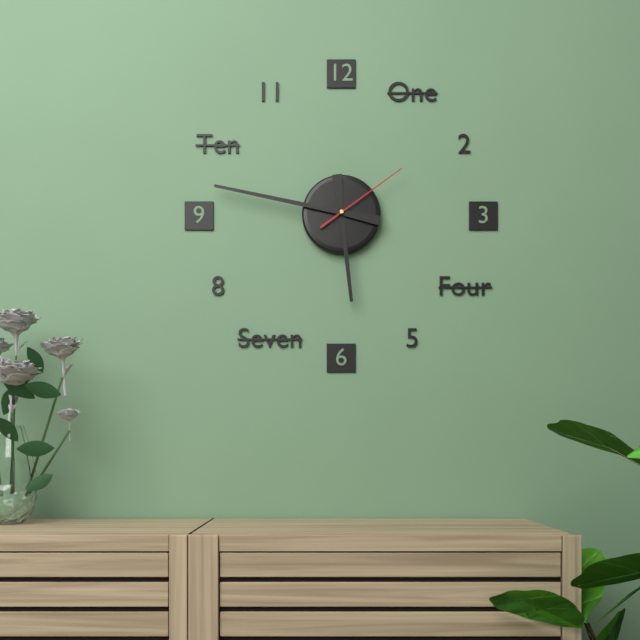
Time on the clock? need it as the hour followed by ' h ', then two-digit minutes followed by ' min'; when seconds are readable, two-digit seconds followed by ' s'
5 h 47 min 09 s
